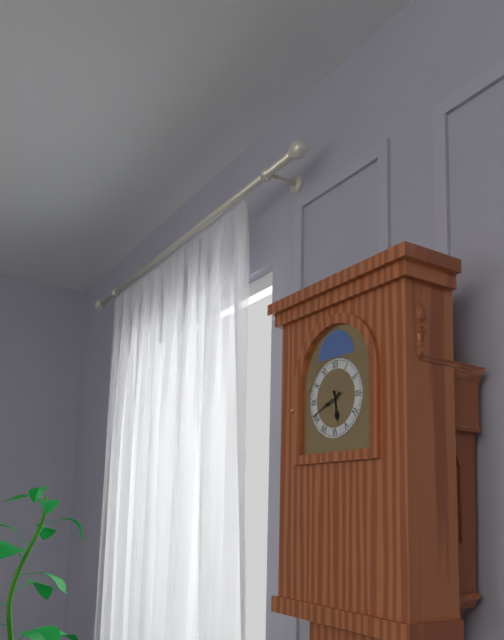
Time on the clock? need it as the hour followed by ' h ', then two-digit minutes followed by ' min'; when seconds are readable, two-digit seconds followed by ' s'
5 h 41 min
